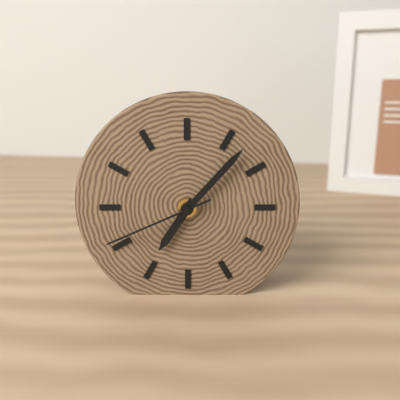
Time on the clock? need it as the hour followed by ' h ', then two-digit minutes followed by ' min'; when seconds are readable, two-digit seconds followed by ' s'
7 h 07 min 41 s
